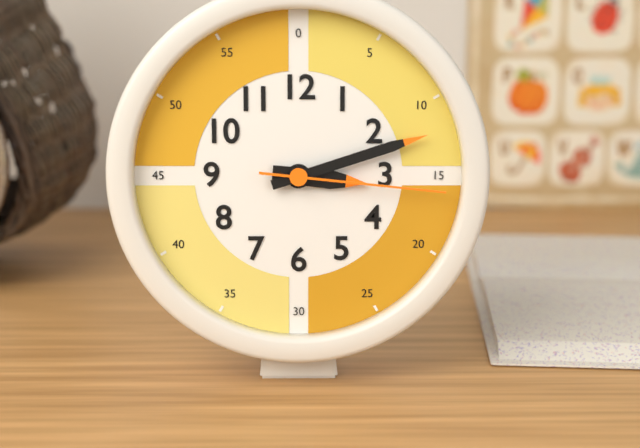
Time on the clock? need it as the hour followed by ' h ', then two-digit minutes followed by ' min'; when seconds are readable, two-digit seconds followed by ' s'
3 h 12 min 16 s
